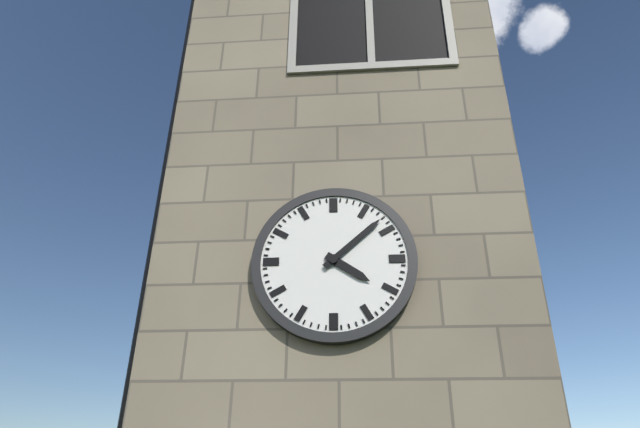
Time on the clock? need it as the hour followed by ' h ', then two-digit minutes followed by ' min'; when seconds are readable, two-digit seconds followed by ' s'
4 h 08 min
